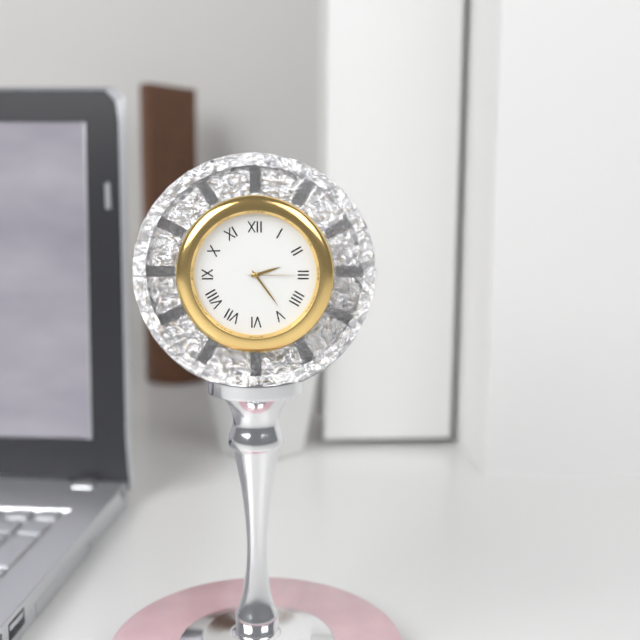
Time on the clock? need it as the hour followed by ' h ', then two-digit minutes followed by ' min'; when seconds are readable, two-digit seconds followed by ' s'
2 h 24 min 15 s
